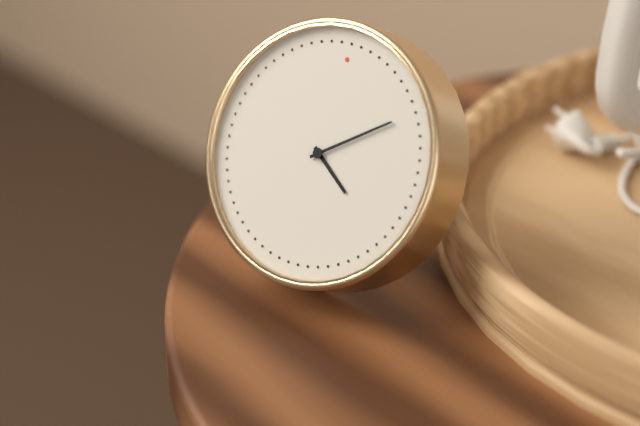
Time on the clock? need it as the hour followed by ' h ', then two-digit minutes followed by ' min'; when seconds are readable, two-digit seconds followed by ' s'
4 h 09 min
